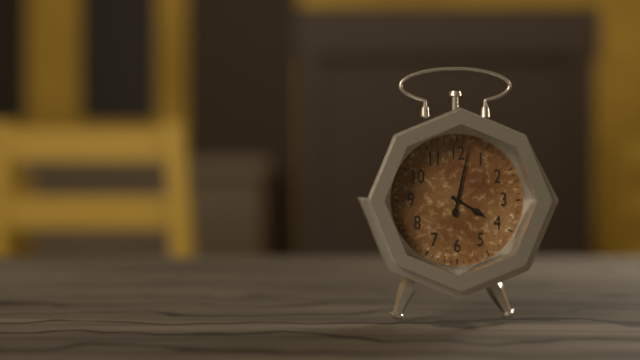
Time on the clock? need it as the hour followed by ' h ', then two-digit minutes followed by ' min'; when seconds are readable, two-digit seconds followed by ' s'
4 h 02 min
